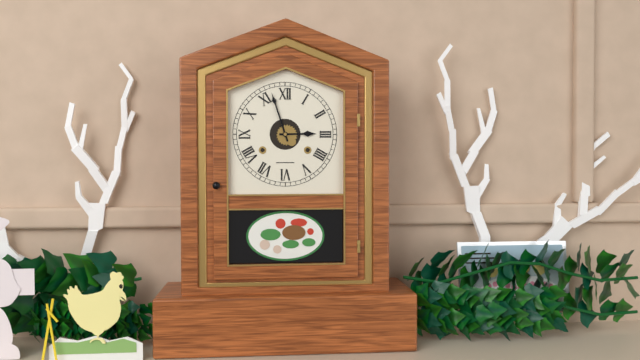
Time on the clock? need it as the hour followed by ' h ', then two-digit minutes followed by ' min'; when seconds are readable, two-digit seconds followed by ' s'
2 h 57 min
